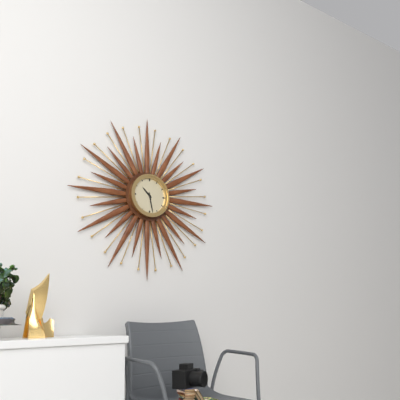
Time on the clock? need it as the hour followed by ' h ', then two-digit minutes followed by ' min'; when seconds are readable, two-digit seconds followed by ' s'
10 h 28 min
